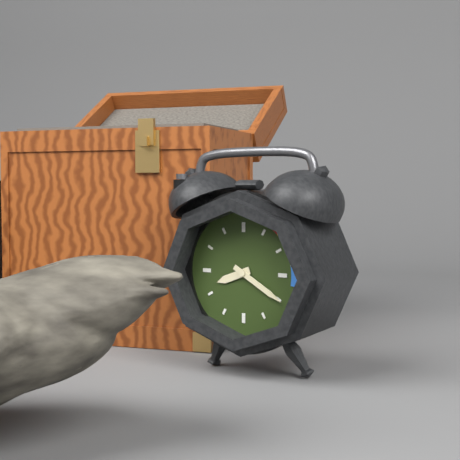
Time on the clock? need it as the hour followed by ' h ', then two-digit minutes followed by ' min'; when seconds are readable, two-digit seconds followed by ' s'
8 h 20 min
